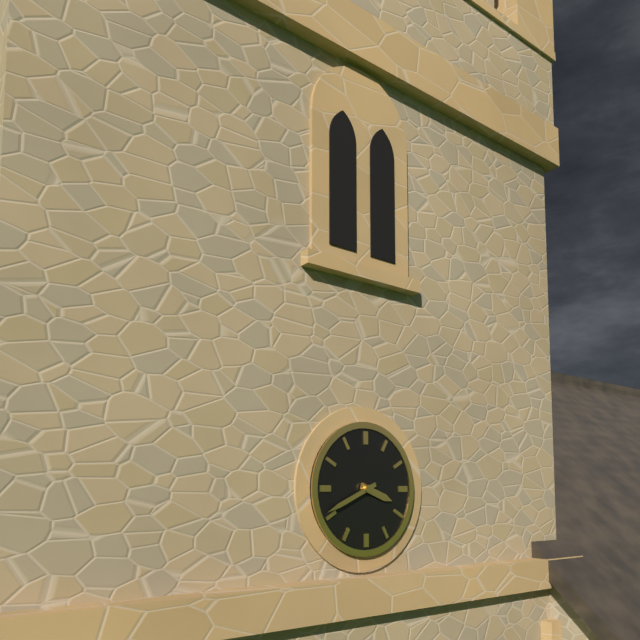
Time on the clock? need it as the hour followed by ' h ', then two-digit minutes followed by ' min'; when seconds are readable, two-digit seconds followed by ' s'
3 h 41 min
